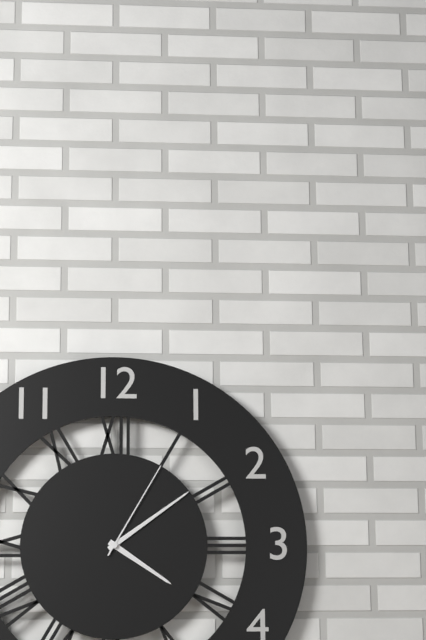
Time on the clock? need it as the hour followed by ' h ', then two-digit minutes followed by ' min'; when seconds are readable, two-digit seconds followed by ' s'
4 h 09 min 05 s
